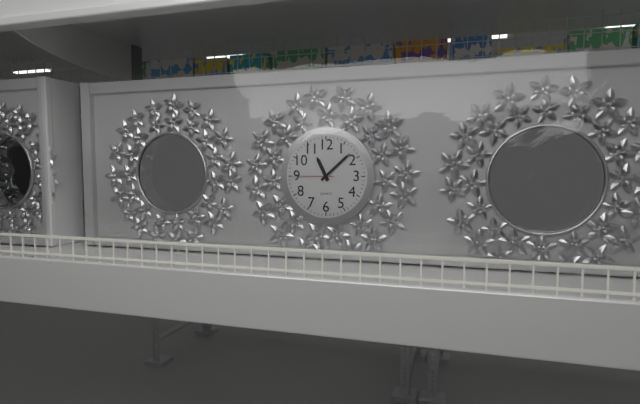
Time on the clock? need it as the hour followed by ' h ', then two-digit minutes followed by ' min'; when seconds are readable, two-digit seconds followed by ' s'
11 h 08 min
